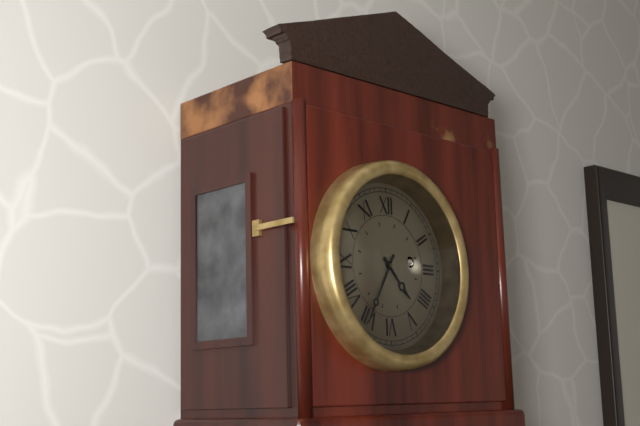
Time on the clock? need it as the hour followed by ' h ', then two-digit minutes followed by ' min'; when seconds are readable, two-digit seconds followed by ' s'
4 h 35 min
